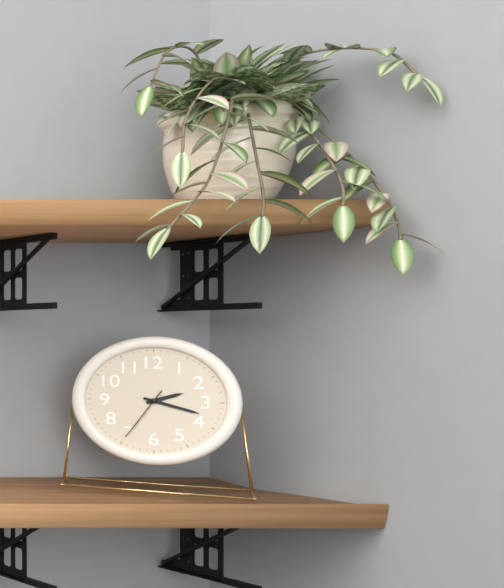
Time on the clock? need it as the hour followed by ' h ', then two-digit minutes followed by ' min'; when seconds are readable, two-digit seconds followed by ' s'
2 h 18 min 35 s
